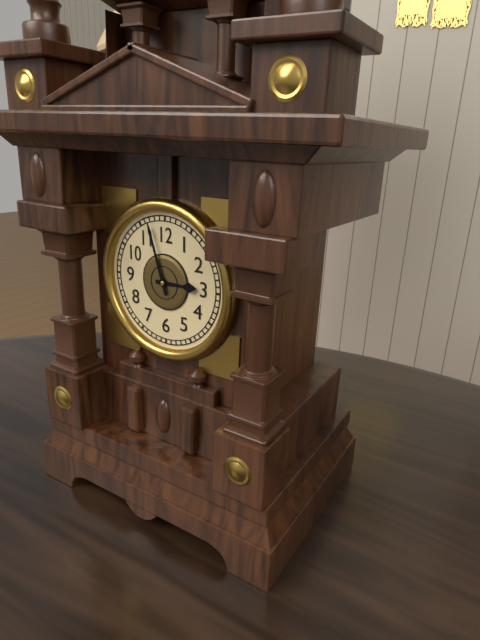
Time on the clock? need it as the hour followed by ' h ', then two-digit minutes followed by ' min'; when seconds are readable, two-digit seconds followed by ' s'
2 h 57 min
